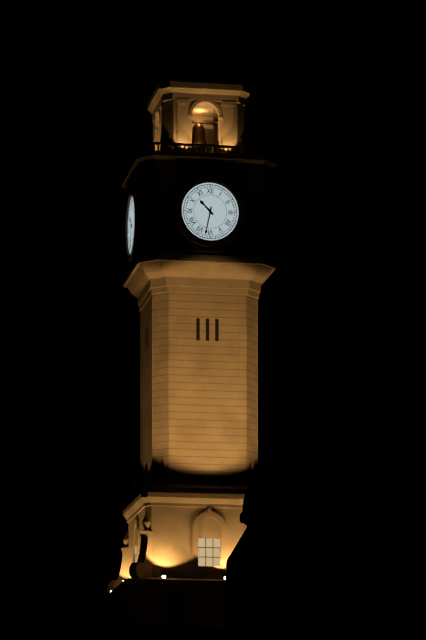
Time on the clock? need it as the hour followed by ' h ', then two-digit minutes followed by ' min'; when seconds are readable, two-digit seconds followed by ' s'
10 h 32 min
